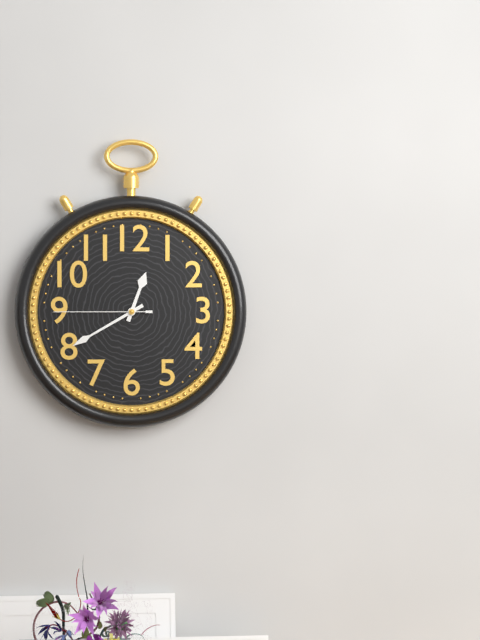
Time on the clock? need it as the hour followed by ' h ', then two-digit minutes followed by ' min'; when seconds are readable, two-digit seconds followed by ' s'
12 h 40 min 45 s
